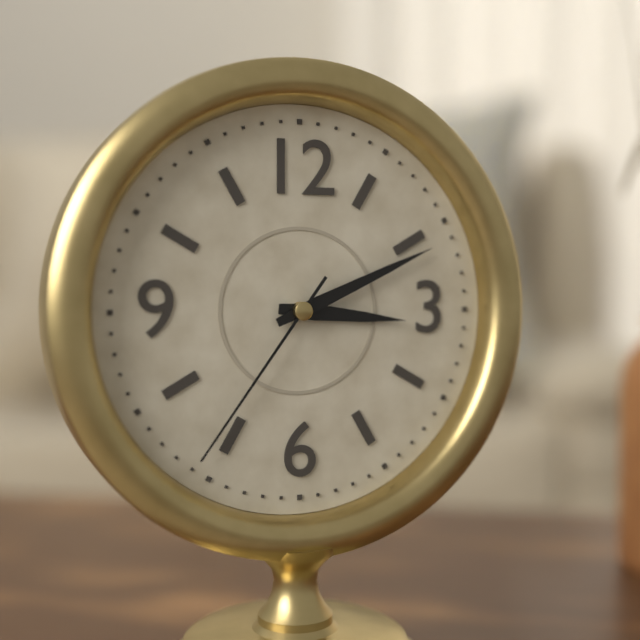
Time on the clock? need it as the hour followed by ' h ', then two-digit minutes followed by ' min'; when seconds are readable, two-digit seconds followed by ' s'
3 h 11 min 36 s
